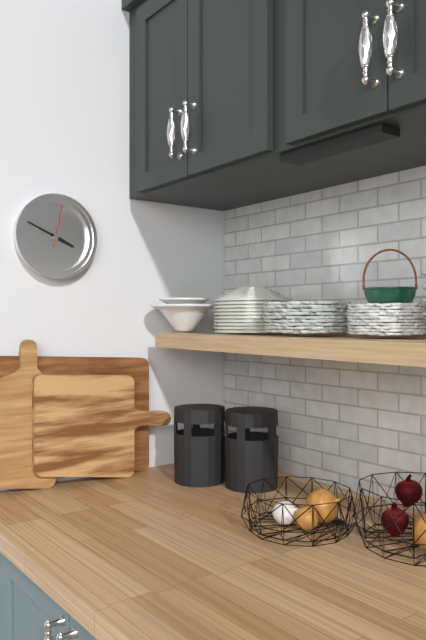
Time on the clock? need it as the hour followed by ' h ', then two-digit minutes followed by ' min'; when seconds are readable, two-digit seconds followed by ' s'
3 h 49 min
